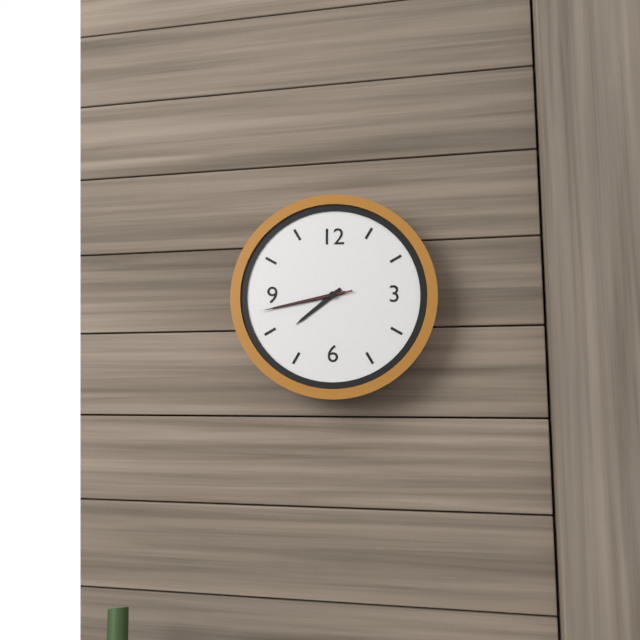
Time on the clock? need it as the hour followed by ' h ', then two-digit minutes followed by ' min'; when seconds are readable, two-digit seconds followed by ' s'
7 h 43 min 43 s
